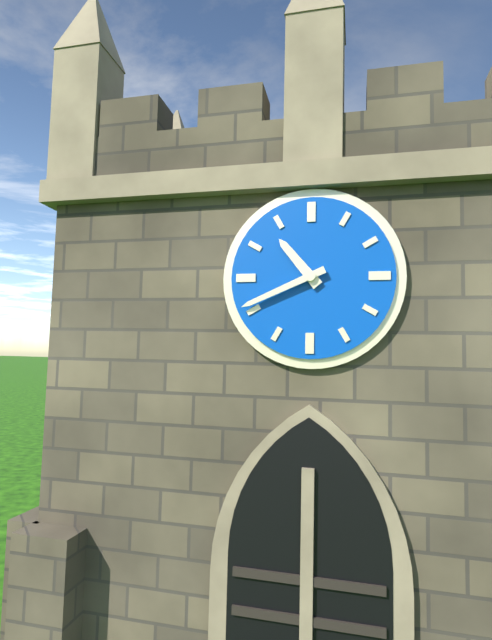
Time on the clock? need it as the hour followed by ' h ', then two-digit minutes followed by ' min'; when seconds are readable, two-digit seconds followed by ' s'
10 h 41 min
